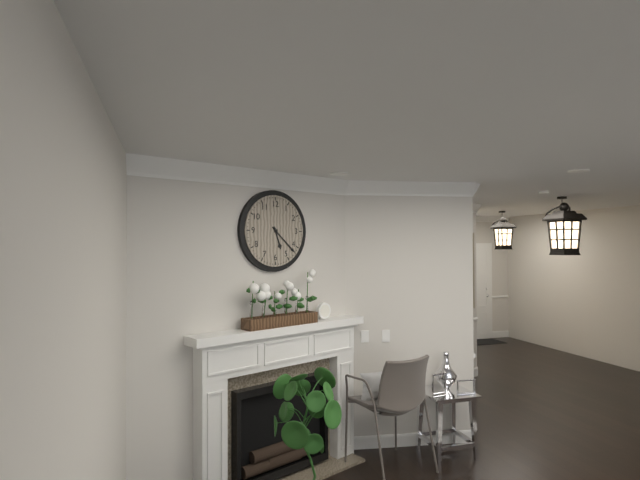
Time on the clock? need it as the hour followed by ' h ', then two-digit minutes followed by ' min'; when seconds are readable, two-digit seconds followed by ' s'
5 h 22 min
